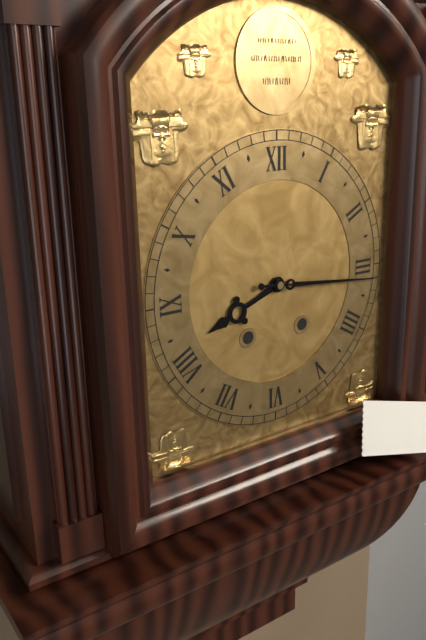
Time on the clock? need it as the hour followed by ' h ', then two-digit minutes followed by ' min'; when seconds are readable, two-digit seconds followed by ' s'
8 h 16 min
